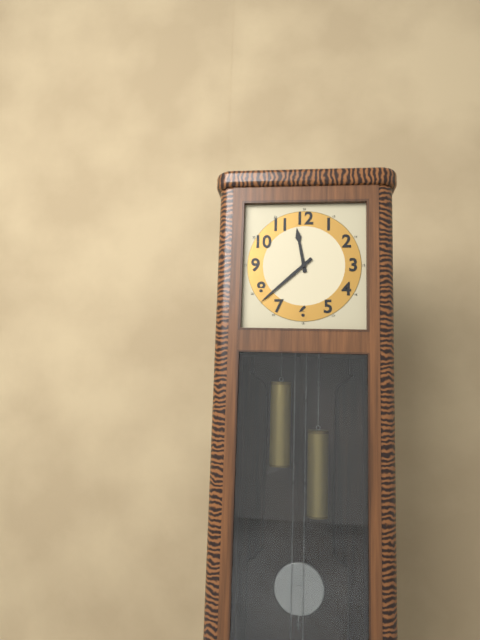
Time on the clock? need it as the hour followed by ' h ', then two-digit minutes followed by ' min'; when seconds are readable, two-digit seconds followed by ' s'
11 h 38 min
